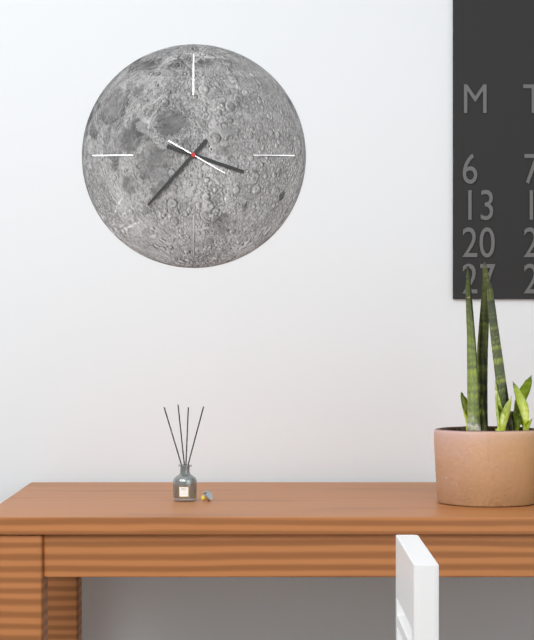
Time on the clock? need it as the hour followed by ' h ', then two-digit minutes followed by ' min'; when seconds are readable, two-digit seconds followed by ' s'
3 h 37 min
